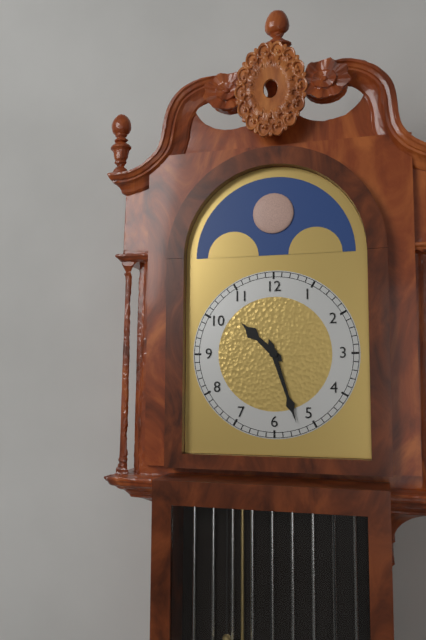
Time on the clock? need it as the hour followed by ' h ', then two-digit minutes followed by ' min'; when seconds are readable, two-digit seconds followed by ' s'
10 h 27 min
